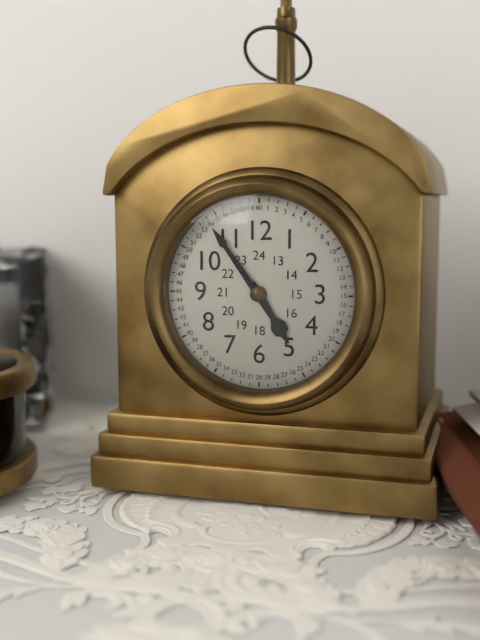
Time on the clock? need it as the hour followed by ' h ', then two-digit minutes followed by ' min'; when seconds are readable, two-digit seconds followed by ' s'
4 h 54 min
